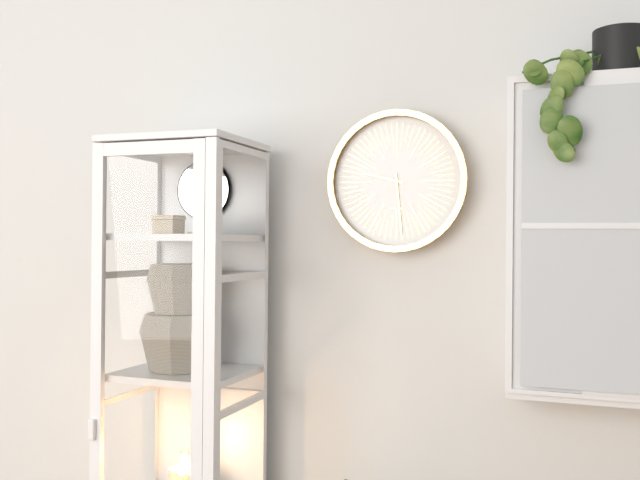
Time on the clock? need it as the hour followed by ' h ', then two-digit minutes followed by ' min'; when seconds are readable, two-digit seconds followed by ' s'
9 h 29 min
